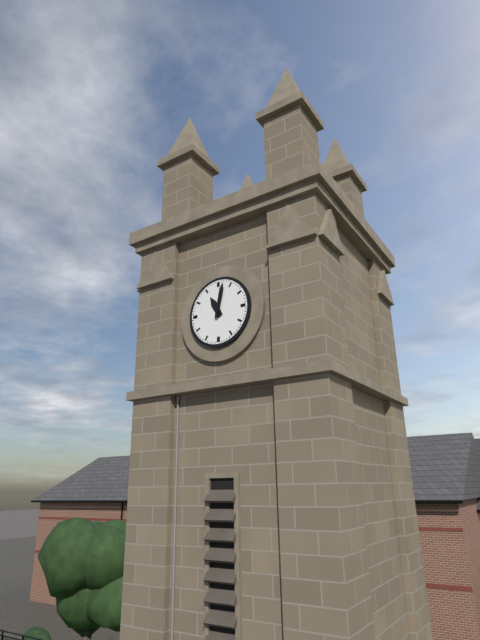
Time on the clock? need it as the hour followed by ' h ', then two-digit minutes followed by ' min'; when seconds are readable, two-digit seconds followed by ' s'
11 h 02 min
